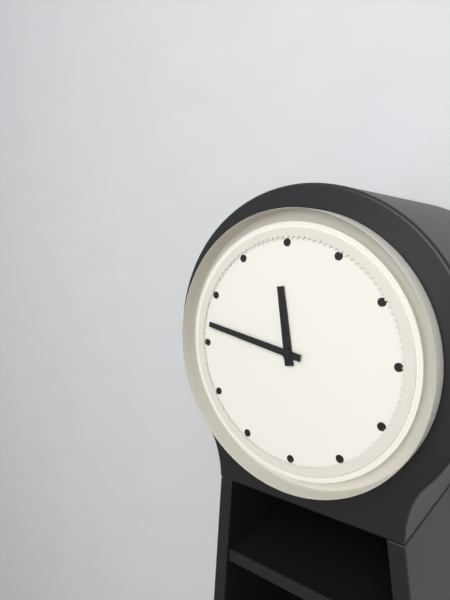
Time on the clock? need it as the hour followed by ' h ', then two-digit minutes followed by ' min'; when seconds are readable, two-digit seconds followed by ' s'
11 h 47 min
